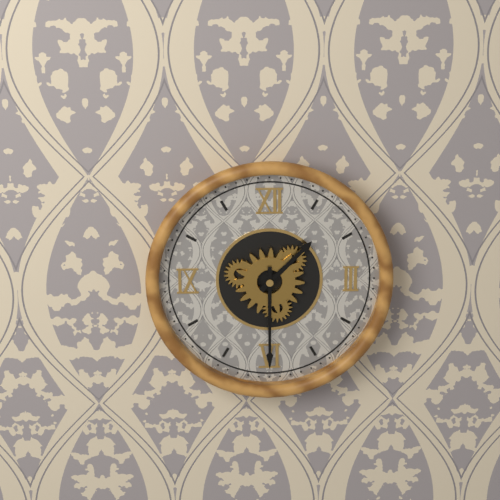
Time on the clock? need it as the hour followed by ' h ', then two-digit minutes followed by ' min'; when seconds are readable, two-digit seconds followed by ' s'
1 h 30 min
